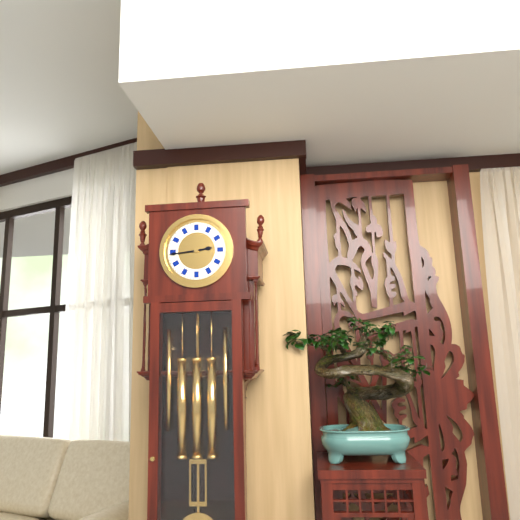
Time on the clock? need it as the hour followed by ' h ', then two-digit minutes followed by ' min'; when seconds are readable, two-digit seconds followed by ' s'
2 h 44 min
